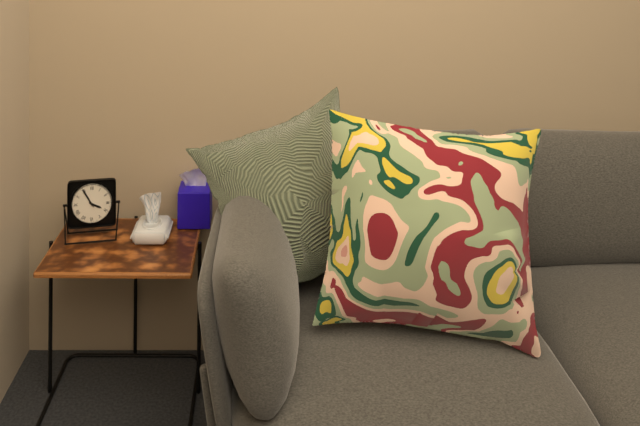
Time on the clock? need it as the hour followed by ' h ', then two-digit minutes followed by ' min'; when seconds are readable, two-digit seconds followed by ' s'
3 h 55 min
